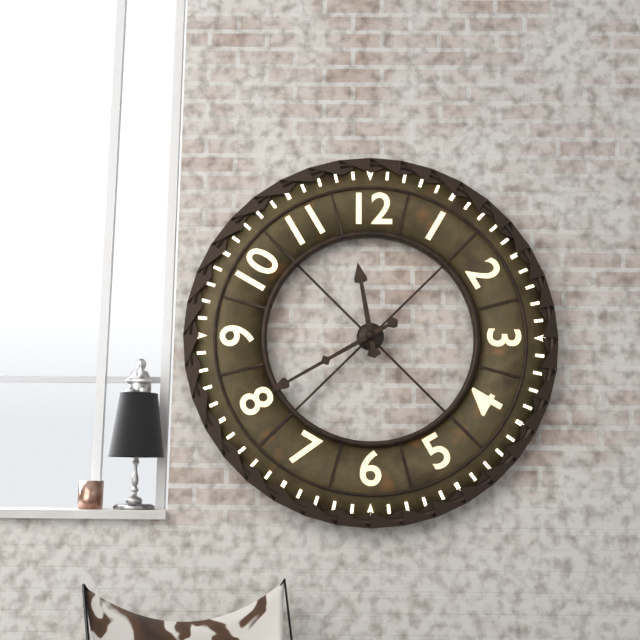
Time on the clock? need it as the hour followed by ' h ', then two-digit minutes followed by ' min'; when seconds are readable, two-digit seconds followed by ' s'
11 h 40 min
